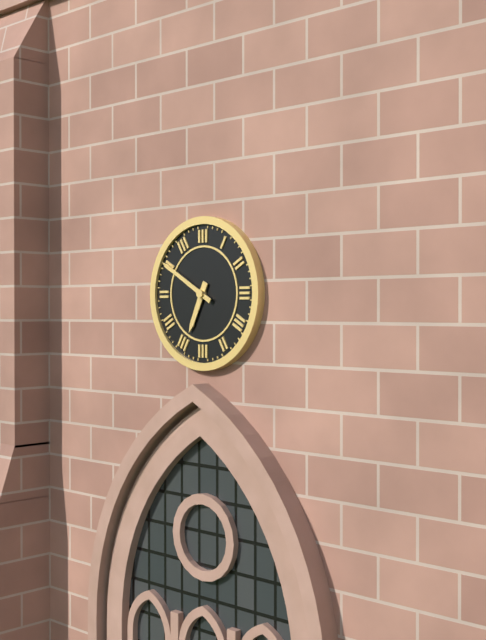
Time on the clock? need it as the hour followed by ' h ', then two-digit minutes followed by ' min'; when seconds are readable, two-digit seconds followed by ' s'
6 h 50 min
